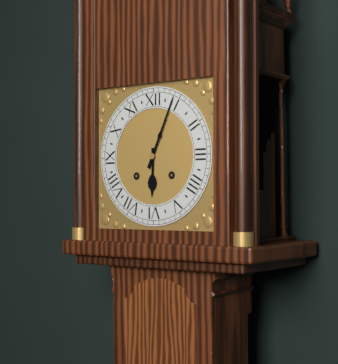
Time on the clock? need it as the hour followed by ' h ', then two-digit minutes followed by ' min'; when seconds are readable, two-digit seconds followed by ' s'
6 h 04 min
